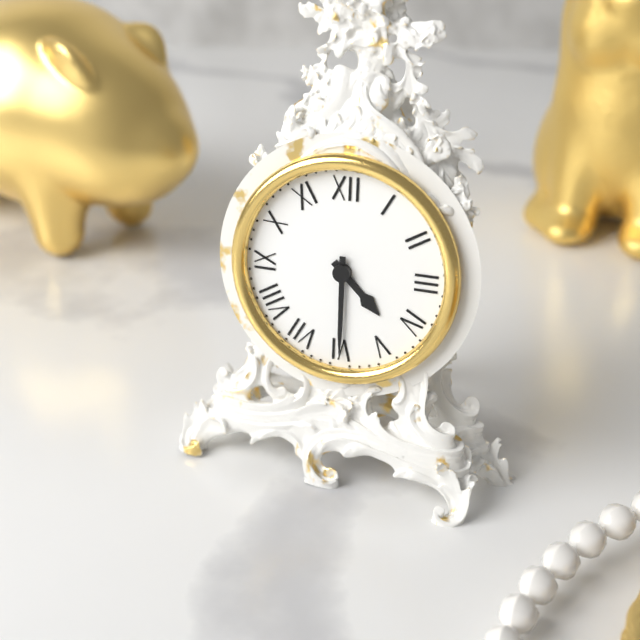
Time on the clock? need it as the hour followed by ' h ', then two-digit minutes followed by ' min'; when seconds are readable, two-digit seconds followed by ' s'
4 h 30 min
